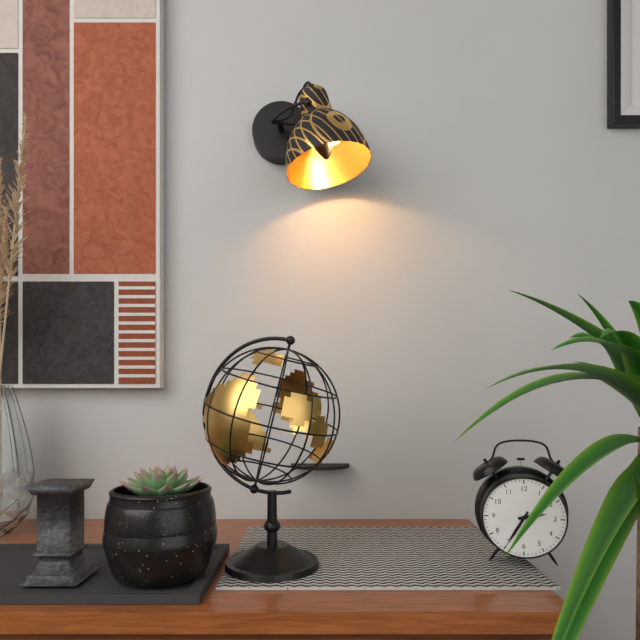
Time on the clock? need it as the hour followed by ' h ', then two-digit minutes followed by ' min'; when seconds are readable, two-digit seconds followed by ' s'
2 h 35 min
